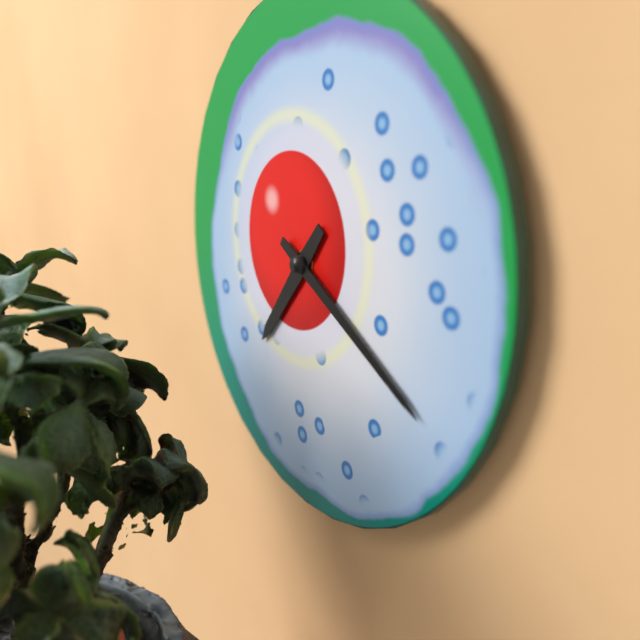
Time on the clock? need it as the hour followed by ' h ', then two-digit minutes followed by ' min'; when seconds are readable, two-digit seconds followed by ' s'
7 h 20 min
